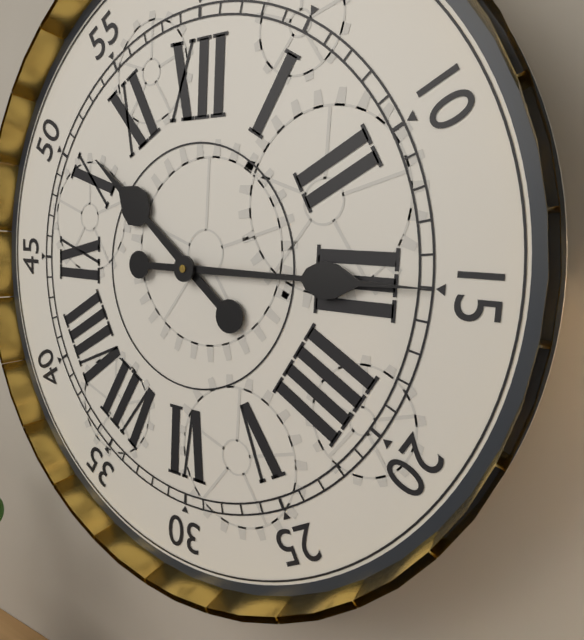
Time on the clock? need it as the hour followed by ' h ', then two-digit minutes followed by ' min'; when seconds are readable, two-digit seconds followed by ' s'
10 h 15 min
